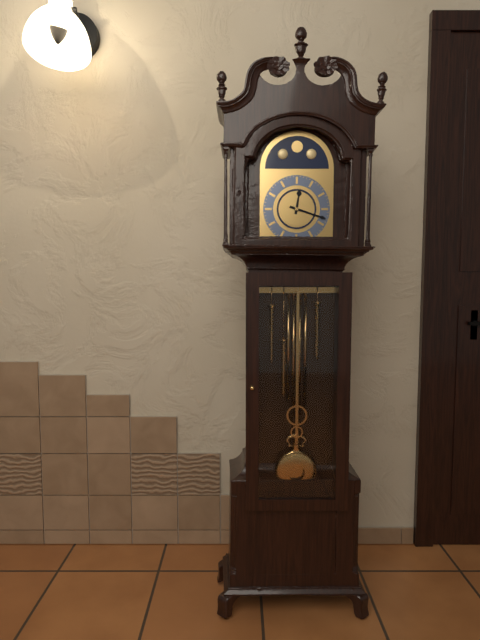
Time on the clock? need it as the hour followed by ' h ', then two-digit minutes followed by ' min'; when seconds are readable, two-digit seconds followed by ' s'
12 h 18 min
